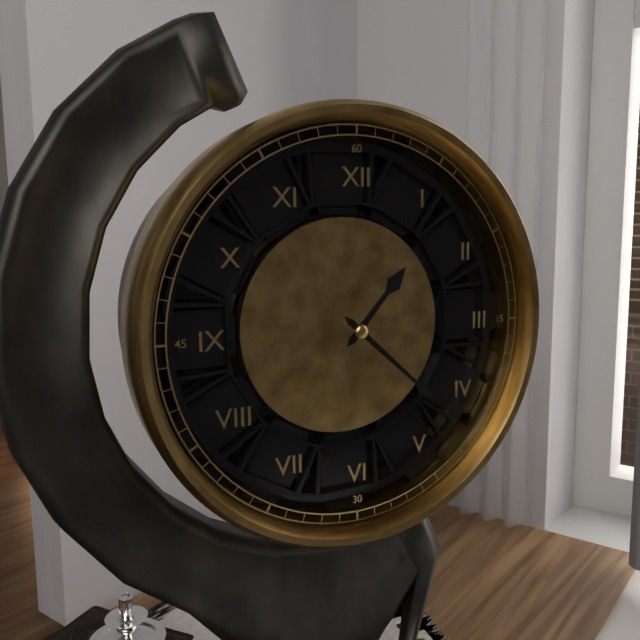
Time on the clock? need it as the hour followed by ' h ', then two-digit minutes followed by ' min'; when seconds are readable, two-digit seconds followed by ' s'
1 h 22 min
